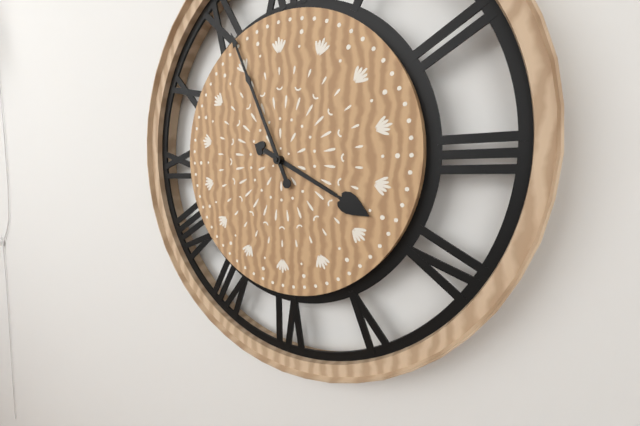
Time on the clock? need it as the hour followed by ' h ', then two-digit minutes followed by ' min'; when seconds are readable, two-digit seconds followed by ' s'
3 h 56 min
